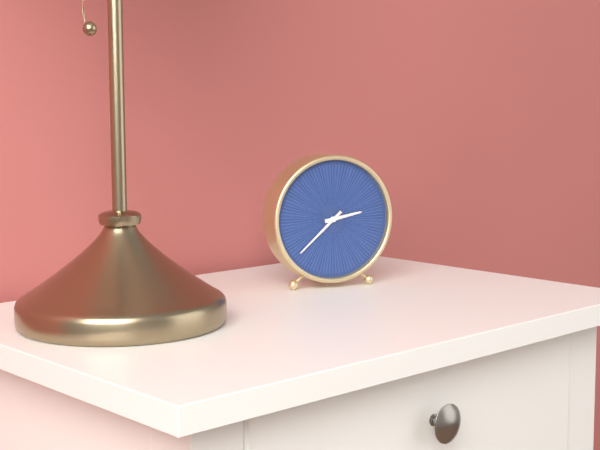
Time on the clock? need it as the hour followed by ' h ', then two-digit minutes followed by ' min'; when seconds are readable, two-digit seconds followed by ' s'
2 h 38 min
